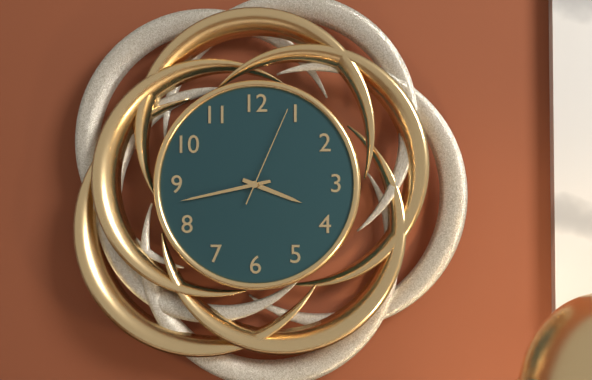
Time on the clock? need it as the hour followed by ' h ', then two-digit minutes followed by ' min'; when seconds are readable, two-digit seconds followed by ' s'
3 h 43 min 04 s
